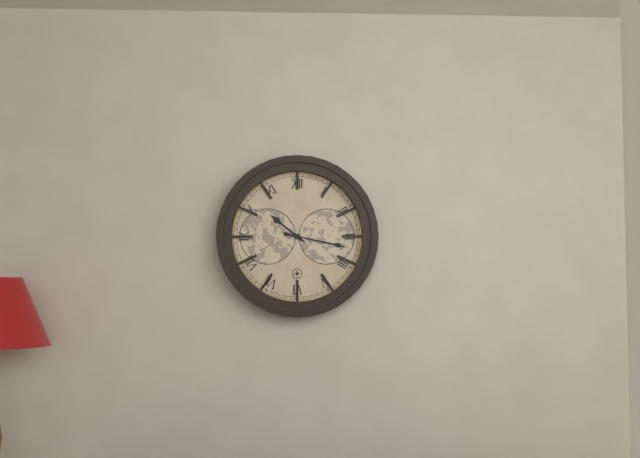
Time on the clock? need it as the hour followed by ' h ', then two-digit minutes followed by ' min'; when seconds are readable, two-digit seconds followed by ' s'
10 h 17 min
